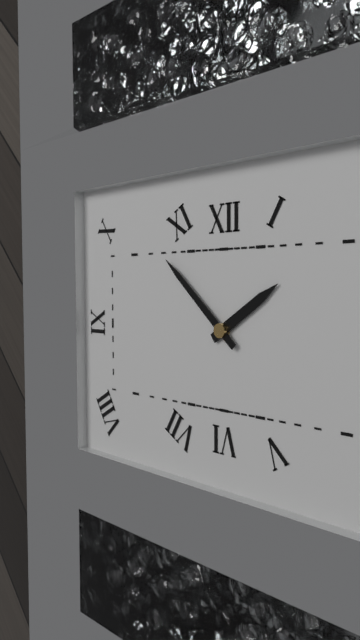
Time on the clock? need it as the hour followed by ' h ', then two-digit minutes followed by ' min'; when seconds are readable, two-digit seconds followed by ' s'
1 h 52 min
